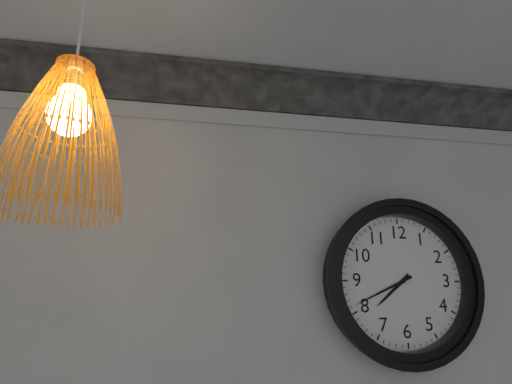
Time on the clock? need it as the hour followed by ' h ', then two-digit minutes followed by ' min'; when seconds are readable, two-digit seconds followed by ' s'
7 h 41 min
